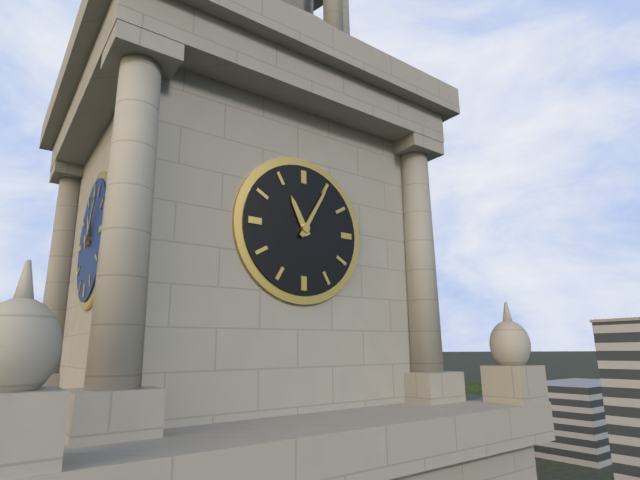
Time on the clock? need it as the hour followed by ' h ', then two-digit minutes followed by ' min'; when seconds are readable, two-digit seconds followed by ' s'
11 h 05 min
